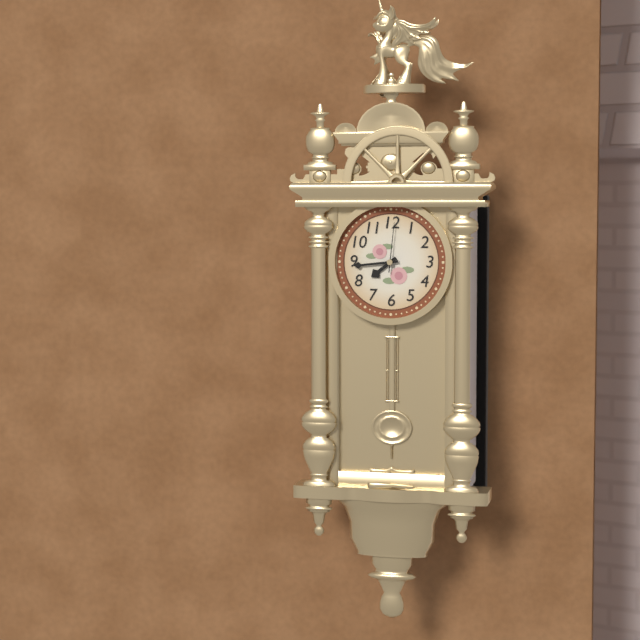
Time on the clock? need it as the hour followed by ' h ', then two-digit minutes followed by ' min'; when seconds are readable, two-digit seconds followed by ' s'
7 h 44 min 01 s
